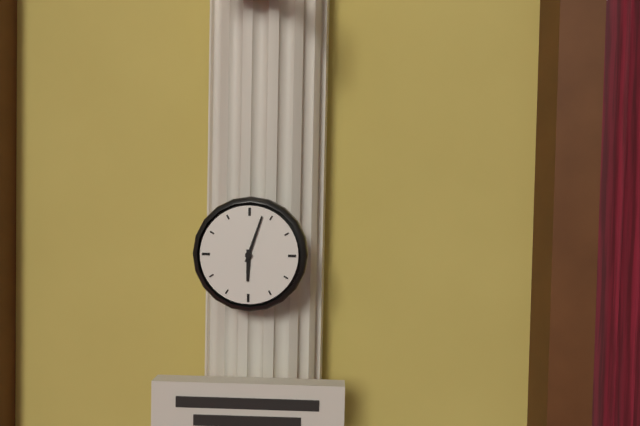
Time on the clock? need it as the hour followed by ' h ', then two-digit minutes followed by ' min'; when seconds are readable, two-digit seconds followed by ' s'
6 h 03 min
